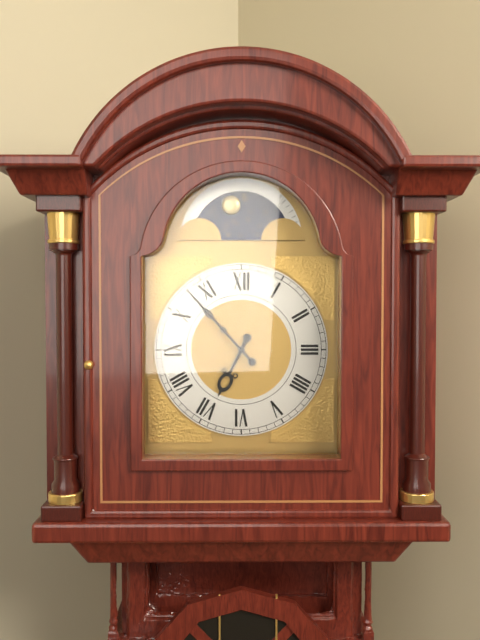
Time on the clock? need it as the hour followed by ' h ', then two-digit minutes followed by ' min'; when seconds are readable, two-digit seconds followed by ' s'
6 h 53 min
